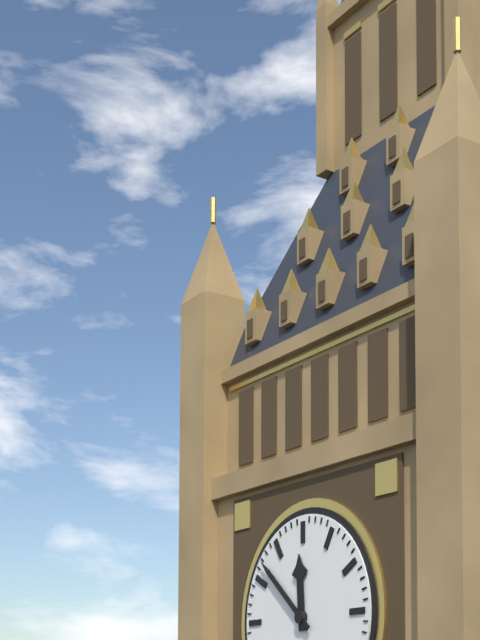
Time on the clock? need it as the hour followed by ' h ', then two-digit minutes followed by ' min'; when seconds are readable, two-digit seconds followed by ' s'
11 h 52 min
